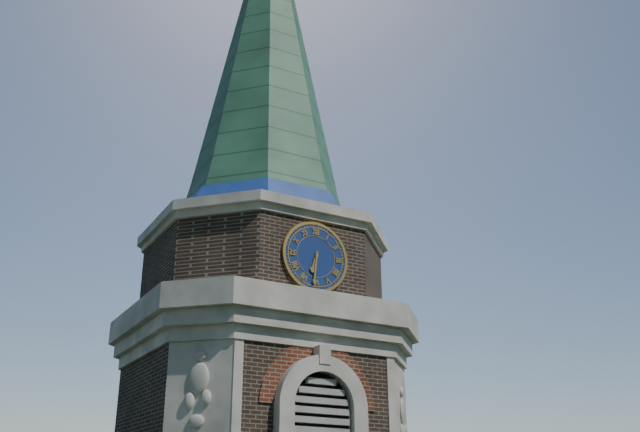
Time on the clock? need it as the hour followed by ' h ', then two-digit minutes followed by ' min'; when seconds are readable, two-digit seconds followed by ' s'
6 h 31 min
